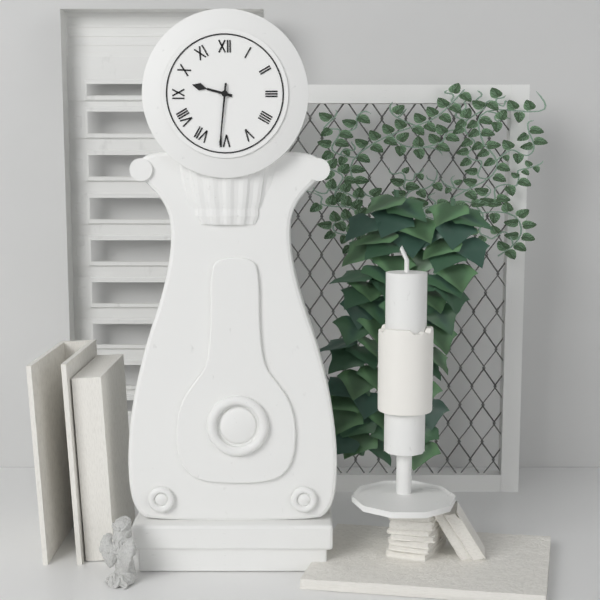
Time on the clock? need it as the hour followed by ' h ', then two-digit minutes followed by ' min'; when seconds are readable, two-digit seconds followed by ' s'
9 h 31 min
